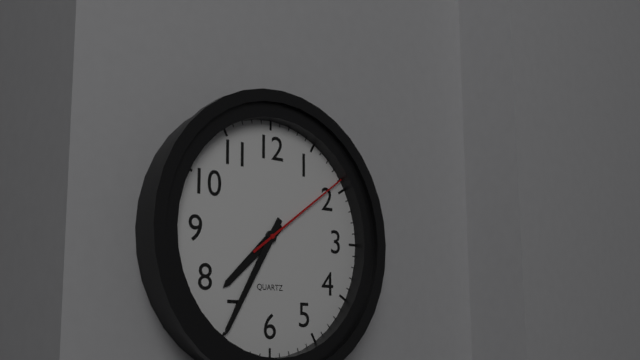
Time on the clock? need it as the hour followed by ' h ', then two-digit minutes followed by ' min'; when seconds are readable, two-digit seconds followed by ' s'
7 h 35 min 09 s
